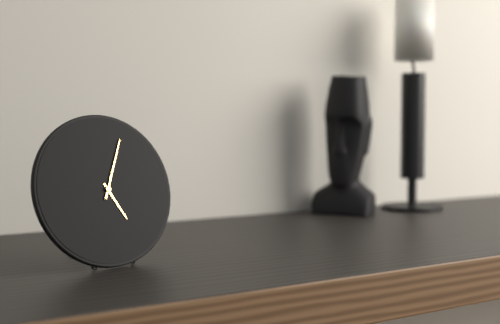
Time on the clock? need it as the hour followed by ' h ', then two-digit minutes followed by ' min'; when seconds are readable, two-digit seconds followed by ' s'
5 h 04 min
